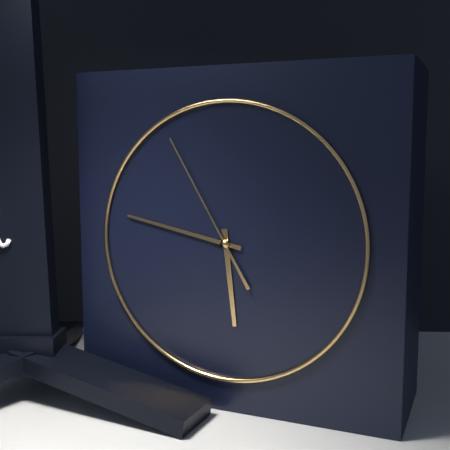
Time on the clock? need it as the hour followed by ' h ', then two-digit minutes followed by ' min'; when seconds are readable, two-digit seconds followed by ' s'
5 h 47 min 55 s
